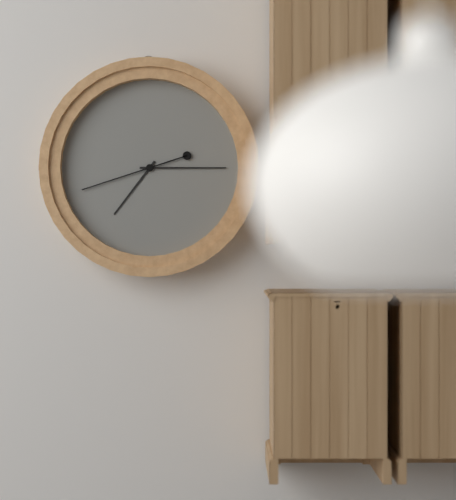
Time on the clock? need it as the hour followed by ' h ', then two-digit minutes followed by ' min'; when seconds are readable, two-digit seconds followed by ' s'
7 h 15 min 42 s
